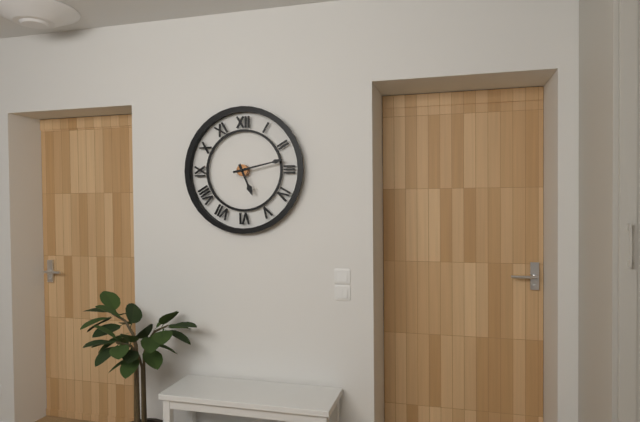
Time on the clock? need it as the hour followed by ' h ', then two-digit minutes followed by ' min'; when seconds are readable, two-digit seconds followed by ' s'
5 h 13 min
